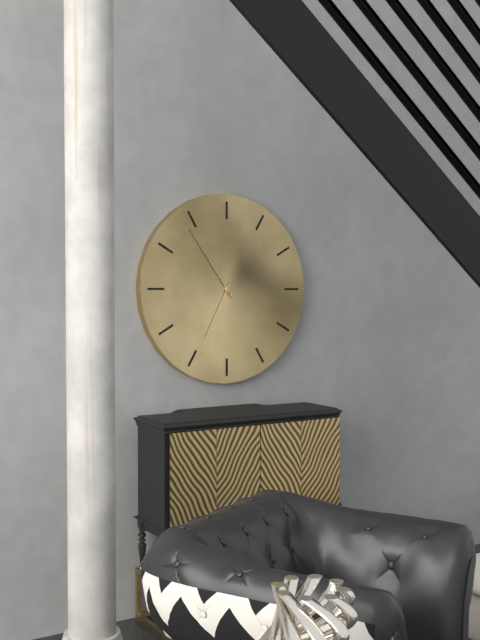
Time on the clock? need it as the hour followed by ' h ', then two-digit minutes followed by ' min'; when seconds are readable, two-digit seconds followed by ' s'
6 h 54 min
